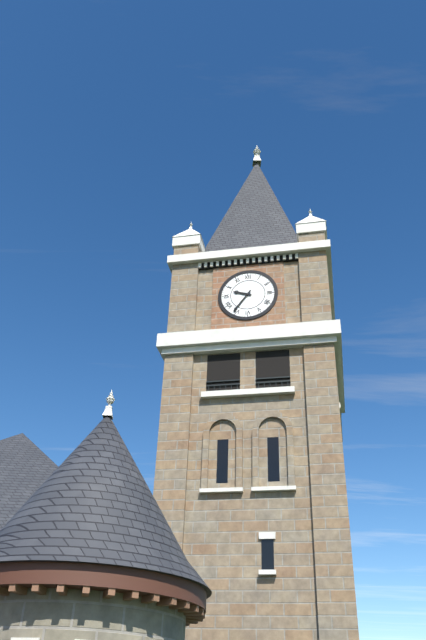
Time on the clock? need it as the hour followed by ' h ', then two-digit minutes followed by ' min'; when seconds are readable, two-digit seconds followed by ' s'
9 h 36 min
